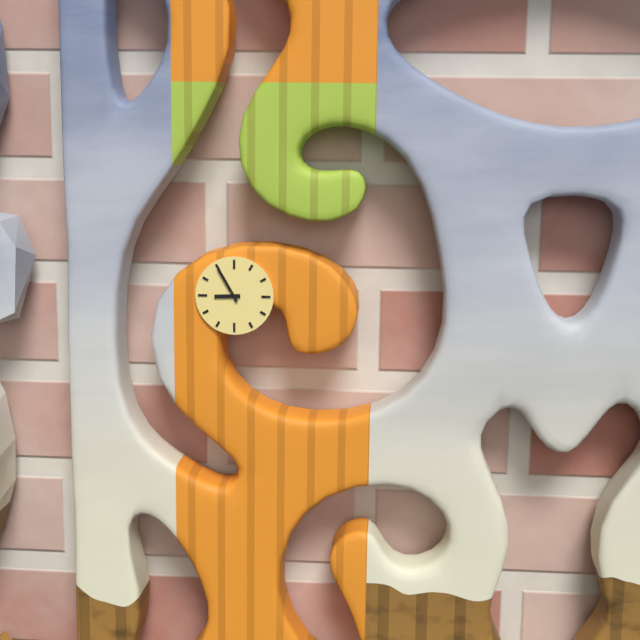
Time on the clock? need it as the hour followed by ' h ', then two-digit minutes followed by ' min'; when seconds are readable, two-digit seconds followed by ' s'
8 h 55 min
